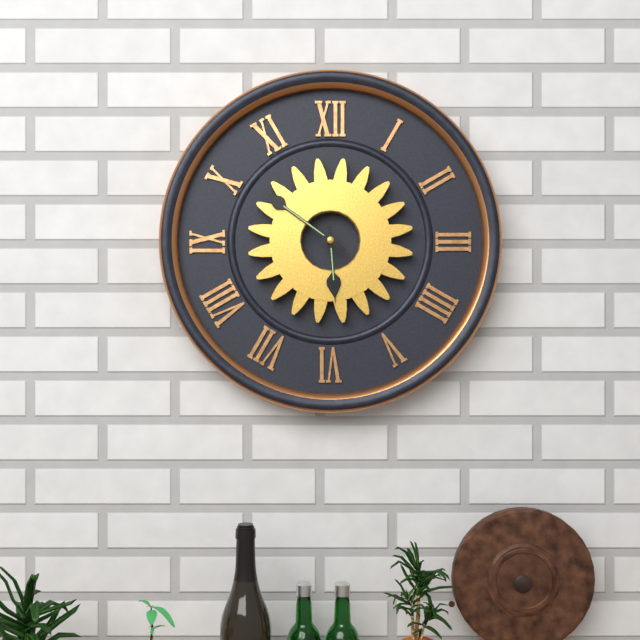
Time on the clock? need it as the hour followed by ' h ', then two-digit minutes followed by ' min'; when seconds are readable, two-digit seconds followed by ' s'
5 h 51 min
